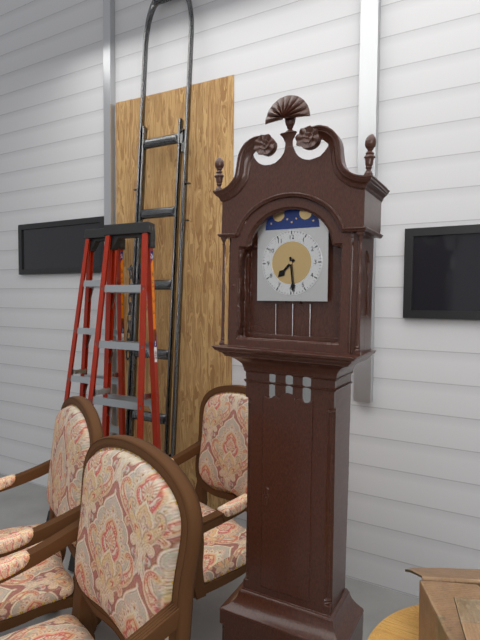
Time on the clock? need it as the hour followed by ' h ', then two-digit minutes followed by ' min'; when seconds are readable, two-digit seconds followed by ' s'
7 h 29 min
